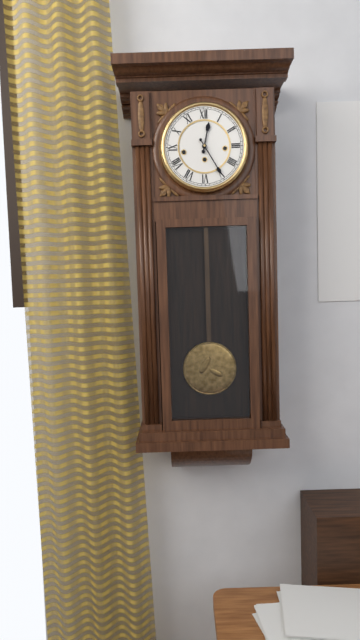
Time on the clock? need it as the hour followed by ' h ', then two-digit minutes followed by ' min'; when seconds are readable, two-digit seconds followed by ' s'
12 h 25 min
